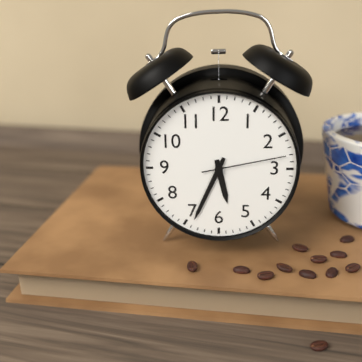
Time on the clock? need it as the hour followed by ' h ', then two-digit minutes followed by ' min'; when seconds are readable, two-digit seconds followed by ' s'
5 h 34 min 13 s
